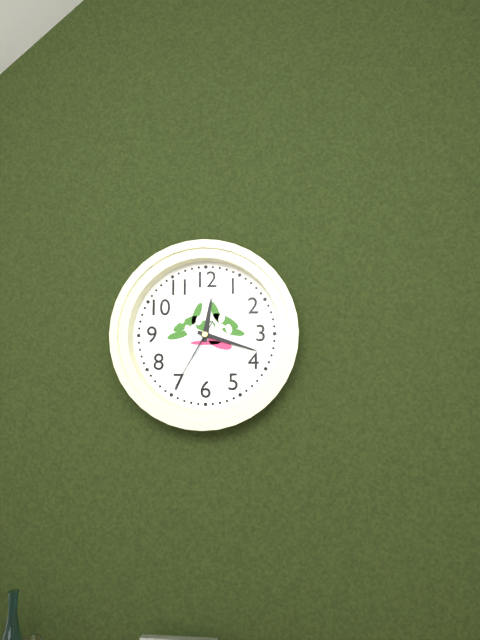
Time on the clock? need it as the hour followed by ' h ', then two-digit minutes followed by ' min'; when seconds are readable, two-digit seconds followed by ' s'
12 h 18 min 35 s
